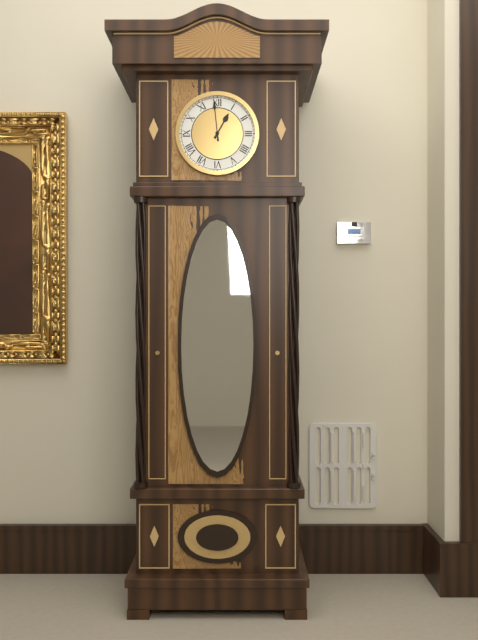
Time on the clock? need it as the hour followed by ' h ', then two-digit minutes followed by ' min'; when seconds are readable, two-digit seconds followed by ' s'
12 h 59 min
